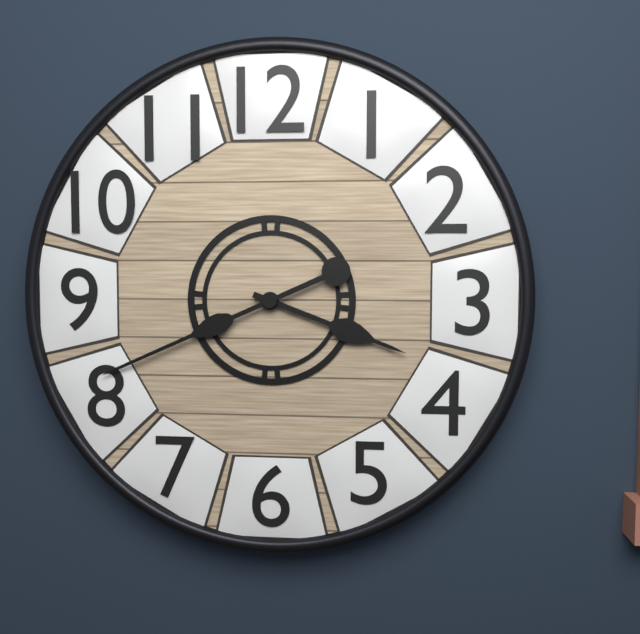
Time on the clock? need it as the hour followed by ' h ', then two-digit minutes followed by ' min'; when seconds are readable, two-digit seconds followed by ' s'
3 h 41 min
